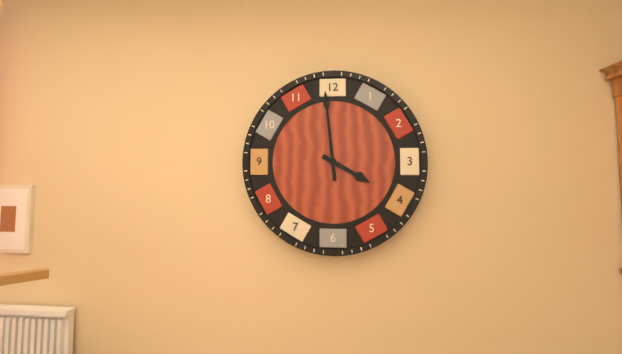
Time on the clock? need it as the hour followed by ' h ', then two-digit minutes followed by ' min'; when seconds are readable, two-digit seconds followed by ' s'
3 h 59 min
